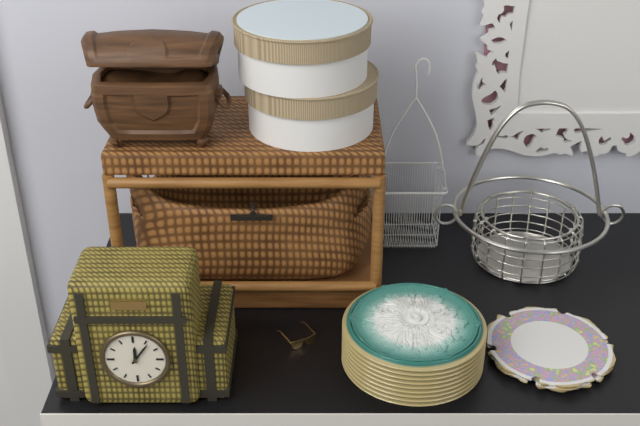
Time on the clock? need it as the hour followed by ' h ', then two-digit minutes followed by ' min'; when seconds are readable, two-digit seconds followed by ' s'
12 h 06 min
